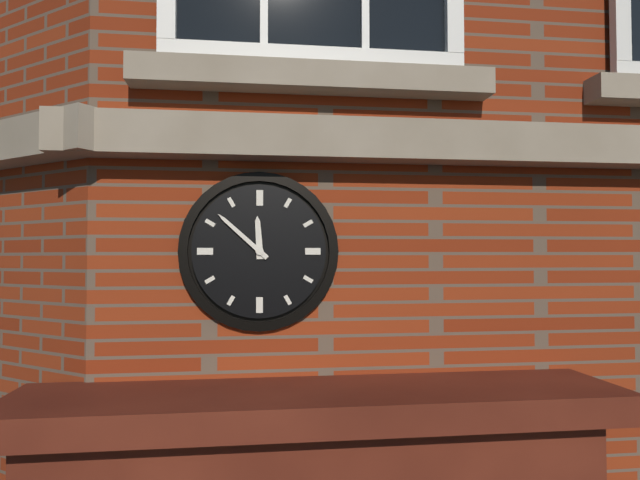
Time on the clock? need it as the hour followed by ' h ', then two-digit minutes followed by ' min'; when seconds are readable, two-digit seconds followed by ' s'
11 h 52 min
